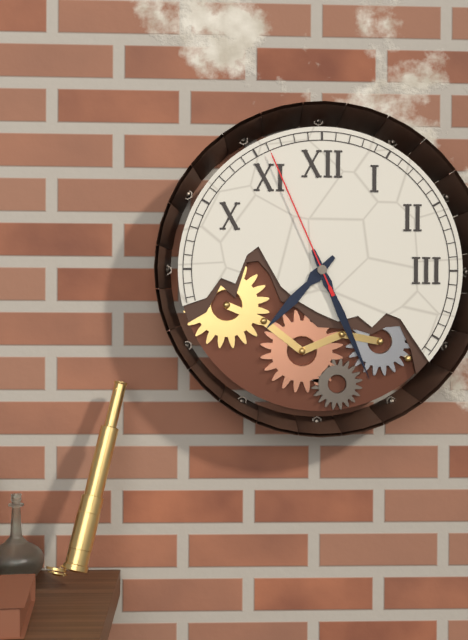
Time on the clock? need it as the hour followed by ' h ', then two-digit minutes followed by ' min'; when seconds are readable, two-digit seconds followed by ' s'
7 h 26 min 56 s
